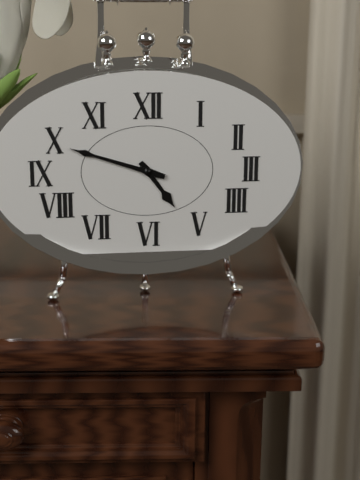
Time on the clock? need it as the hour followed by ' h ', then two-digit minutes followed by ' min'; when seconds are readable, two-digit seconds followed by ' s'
4 h 48 min
